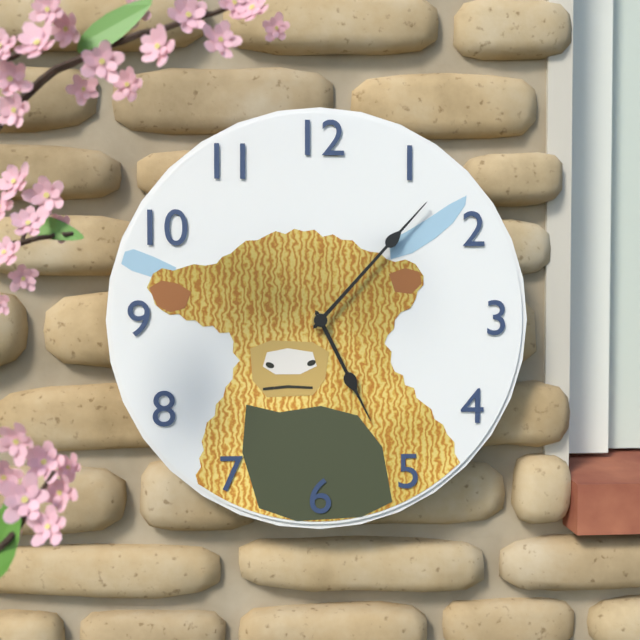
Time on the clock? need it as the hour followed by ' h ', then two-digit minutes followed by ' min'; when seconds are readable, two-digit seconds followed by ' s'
5 h 07 min
